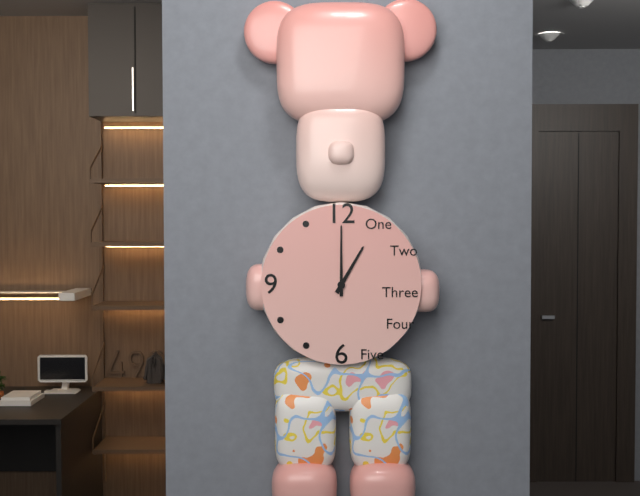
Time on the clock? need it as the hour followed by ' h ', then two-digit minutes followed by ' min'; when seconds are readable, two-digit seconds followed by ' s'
1 h 00 min
